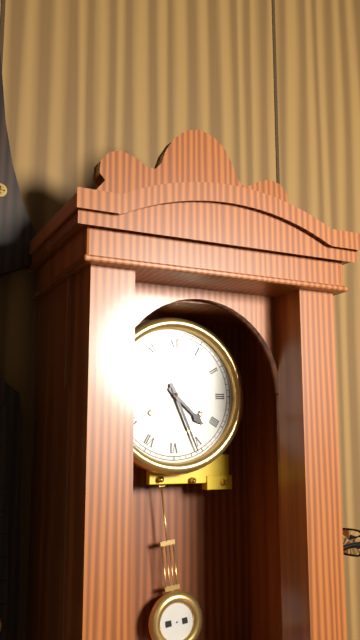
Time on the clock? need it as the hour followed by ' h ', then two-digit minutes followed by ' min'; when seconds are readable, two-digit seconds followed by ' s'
4 h 26 min
